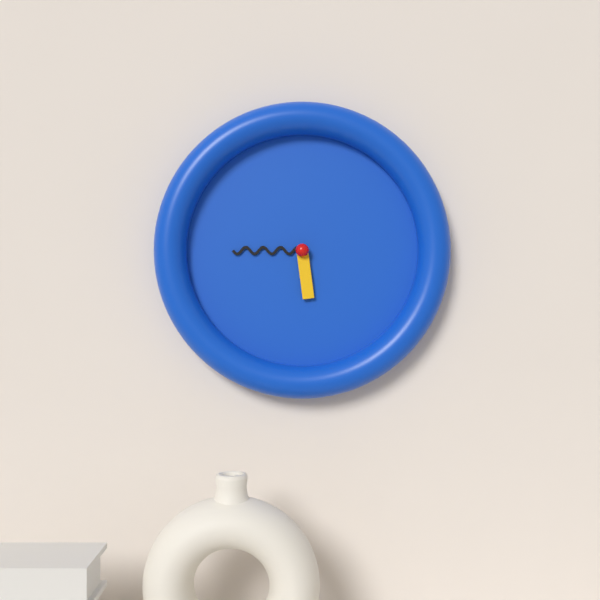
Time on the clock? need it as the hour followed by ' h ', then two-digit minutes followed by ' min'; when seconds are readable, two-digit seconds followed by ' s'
5 h 45 min
